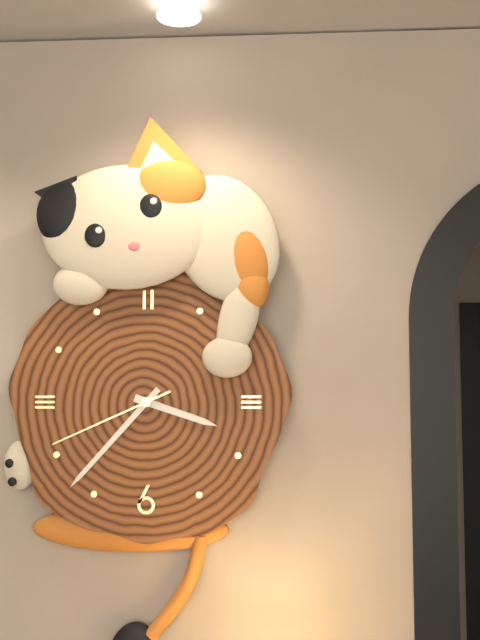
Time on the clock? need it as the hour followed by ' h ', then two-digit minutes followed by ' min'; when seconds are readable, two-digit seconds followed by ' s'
3 h 37 min 41 s
